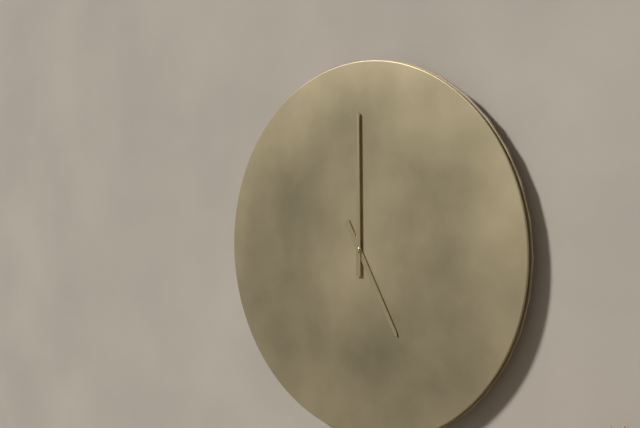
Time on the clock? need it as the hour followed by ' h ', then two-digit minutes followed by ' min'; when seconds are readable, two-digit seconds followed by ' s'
5 h 00 min
